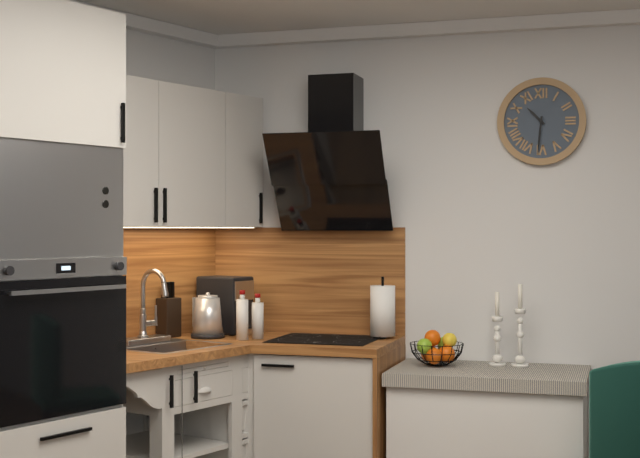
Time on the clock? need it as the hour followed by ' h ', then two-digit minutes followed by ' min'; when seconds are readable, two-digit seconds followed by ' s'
10 h 31 min
